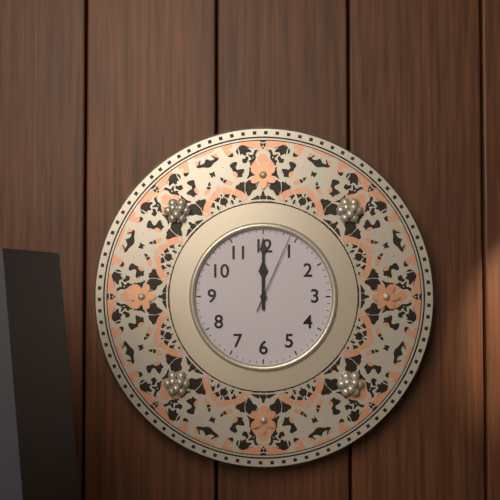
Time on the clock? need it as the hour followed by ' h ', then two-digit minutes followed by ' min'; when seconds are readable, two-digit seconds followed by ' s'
12 h 00 min 04 s
